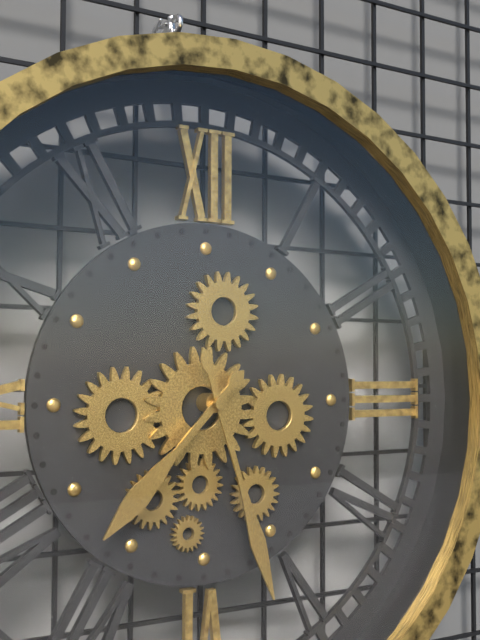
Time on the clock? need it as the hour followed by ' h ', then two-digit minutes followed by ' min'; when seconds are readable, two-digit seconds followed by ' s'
7 h 27 min
